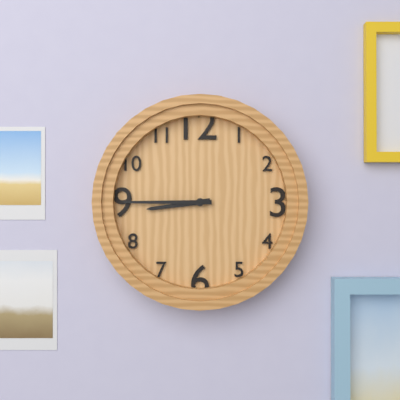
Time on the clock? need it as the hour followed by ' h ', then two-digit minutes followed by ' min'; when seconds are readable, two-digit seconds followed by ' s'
8 h 45 min
